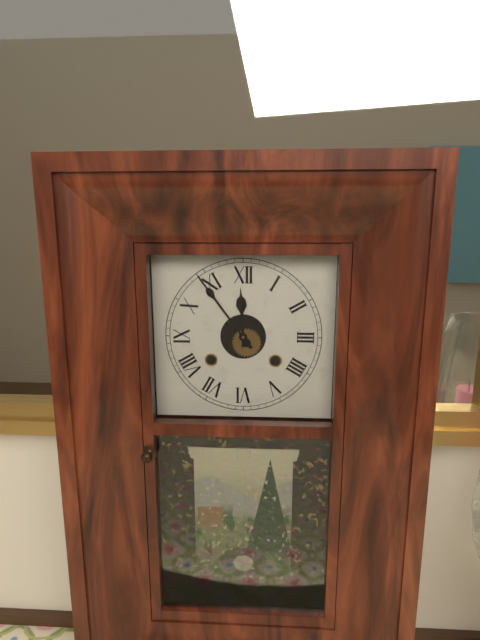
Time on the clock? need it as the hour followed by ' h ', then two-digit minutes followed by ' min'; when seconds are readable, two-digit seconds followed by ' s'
11 h 54 min
